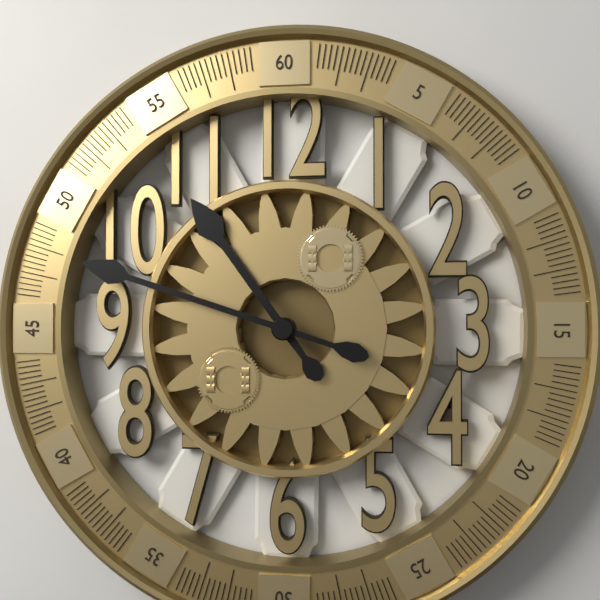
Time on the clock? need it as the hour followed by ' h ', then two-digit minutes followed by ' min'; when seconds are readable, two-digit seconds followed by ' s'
10 h 48 min
